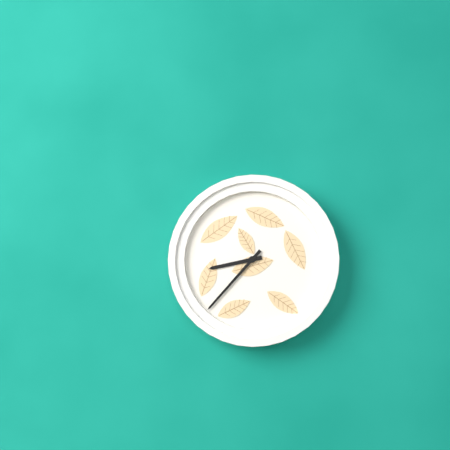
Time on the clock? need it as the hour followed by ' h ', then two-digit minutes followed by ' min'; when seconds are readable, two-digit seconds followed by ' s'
8 h 37 min
